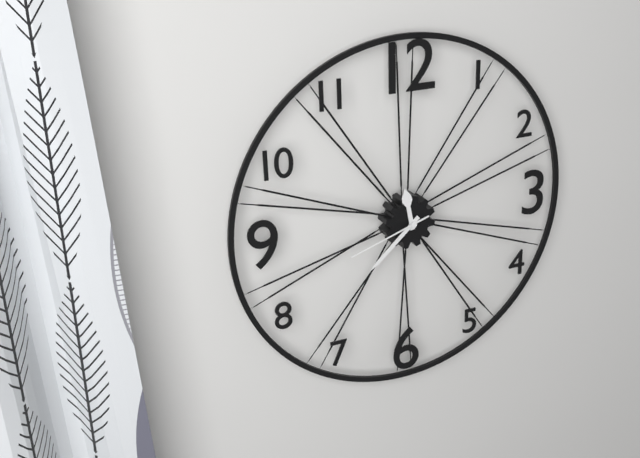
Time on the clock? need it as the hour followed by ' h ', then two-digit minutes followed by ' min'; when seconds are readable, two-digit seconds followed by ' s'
11 h 38 min 42 s
